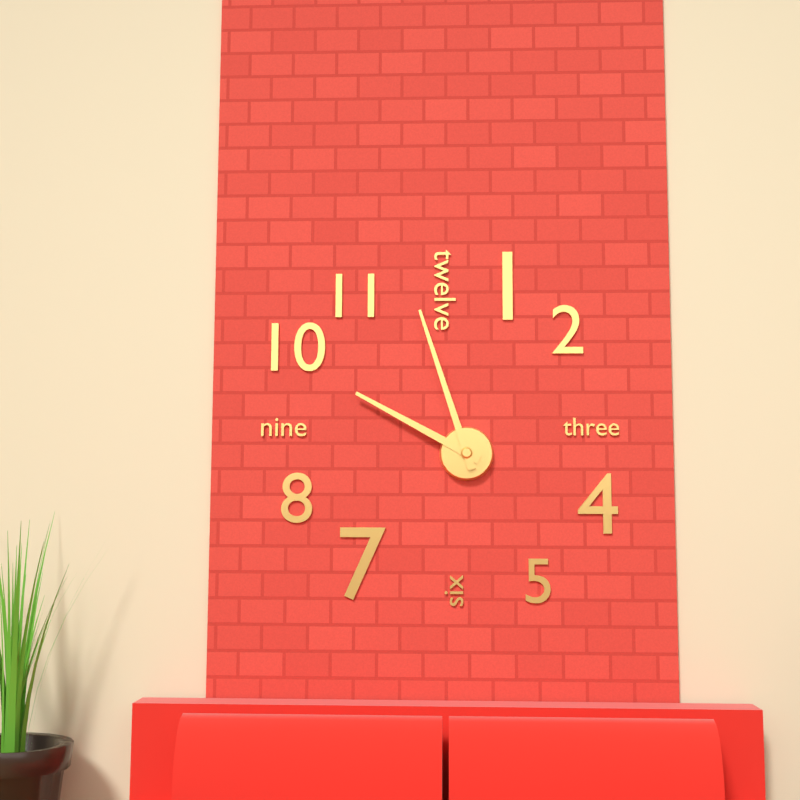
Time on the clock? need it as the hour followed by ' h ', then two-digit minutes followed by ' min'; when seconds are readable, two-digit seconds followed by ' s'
9 h 57 min
